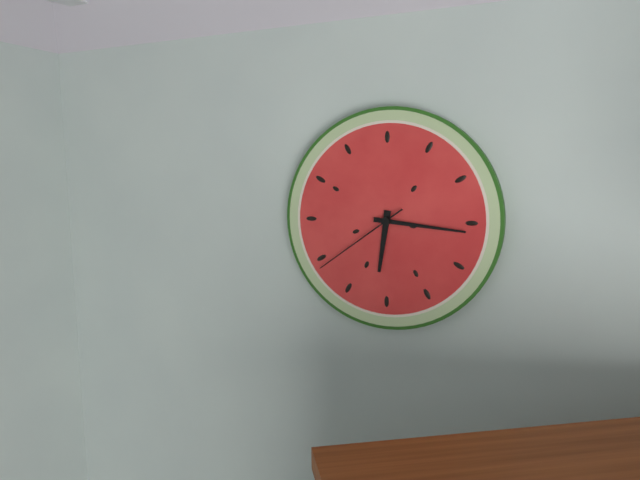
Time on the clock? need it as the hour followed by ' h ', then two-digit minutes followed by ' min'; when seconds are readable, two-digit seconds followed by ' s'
6 h 16 min 39 s
